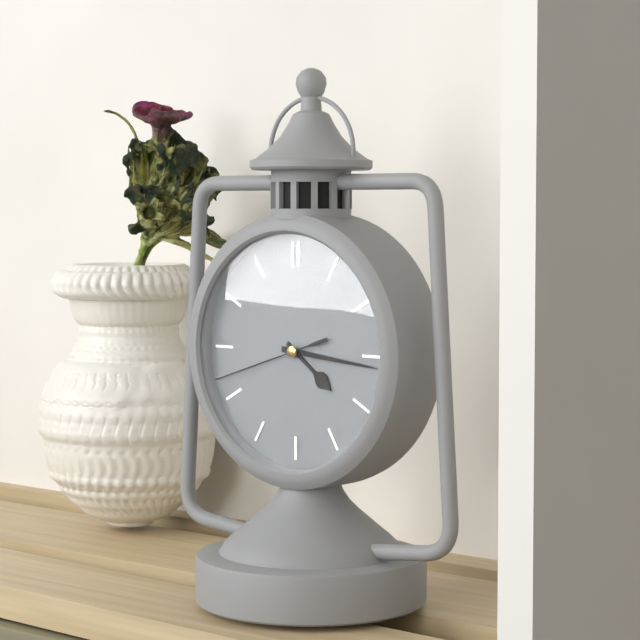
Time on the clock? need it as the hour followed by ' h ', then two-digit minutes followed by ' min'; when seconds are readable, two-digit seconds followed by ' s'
4 h 16 min 42 s
